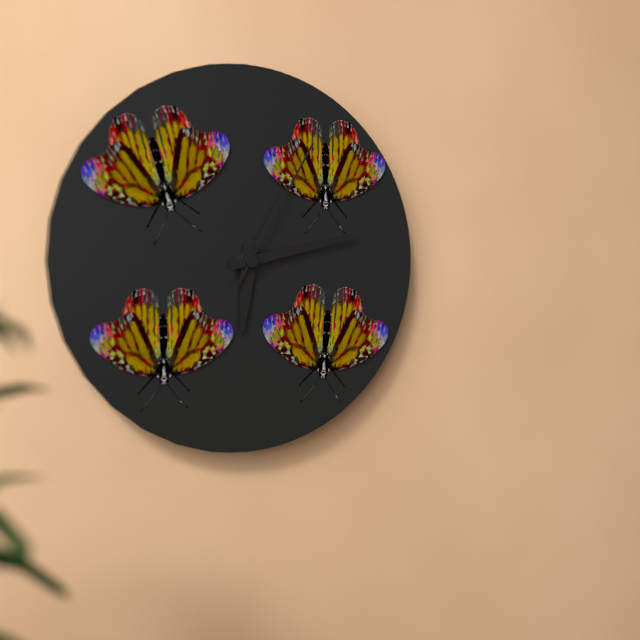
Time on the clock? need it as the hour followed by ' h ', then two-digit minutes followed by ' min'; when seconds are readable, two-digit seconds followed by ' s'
6 h 13 min 05 s
